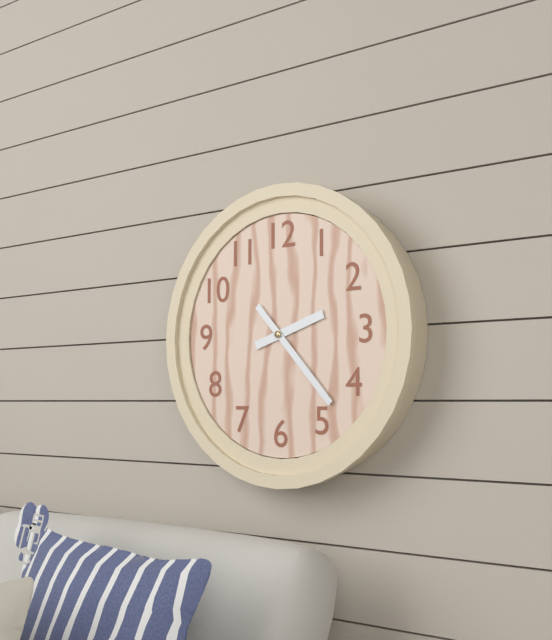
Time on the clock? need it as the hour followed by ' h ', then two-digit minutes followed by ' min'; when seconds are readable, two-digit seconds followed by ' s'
2 h 23 min
